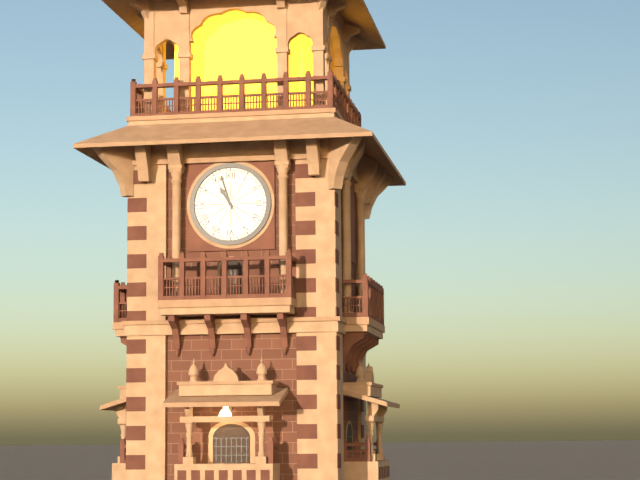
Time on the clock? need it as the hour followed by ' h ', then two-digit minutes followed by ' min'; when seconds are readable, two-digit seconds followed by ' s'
10 h 57 min
